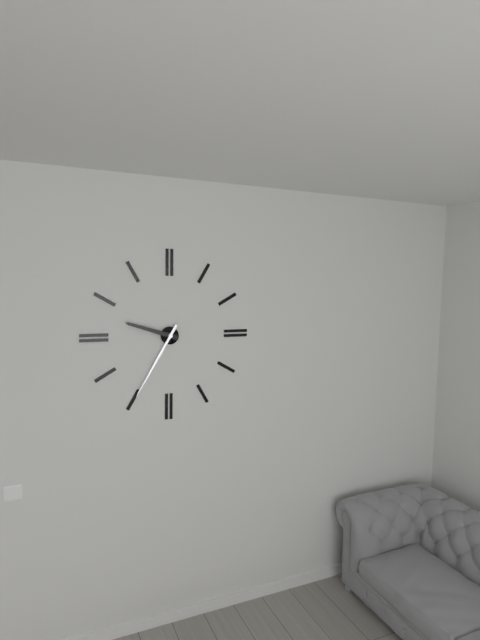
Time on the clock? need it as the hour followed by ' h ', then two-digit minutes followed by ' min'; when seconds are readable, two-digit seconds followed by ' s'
9 h 35 min
